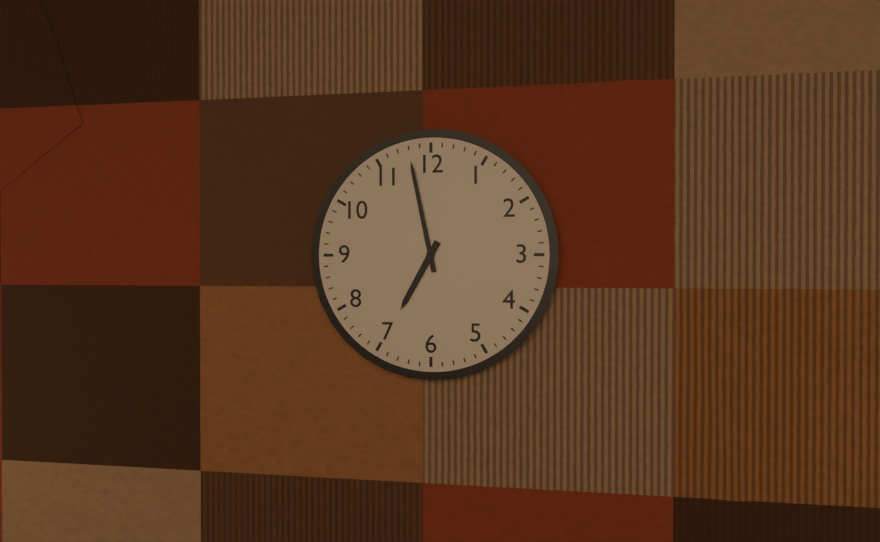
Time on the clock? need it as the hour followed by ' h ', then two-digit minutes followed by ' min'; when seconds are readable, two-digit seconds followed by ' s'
6 h 58 min
